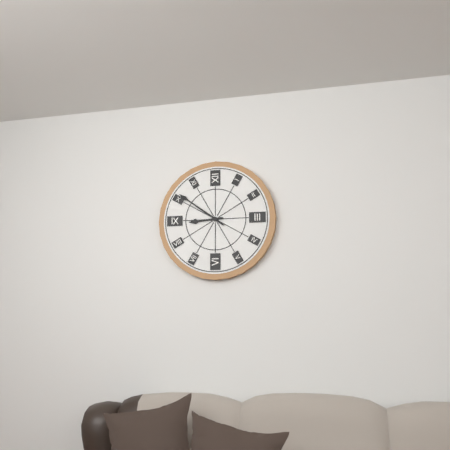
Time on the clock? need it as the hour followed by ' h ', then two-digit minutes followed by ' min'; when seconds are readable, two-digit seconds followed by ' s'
8 h 51 min
